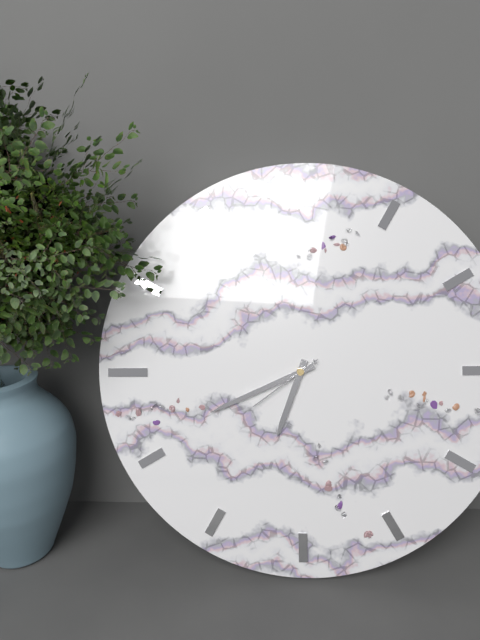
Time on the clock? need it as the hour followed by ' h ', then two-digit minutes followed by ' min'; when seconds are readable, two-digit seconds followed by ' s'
6 h 41 min 39 s
